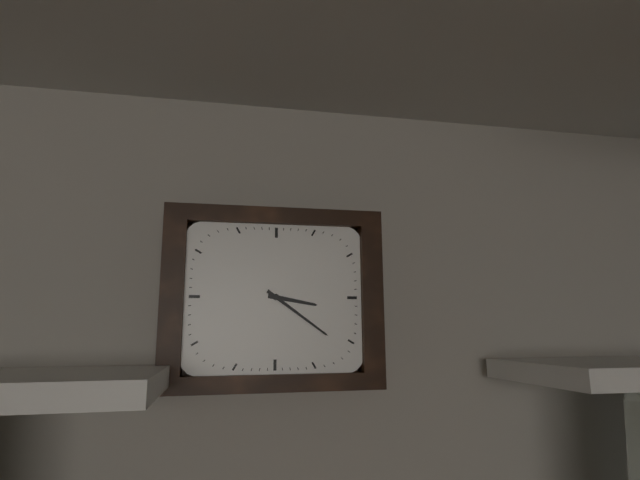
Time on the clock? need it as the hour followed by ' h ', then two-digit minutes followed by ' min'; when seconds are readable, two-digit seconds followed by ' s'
3 h 21 min
